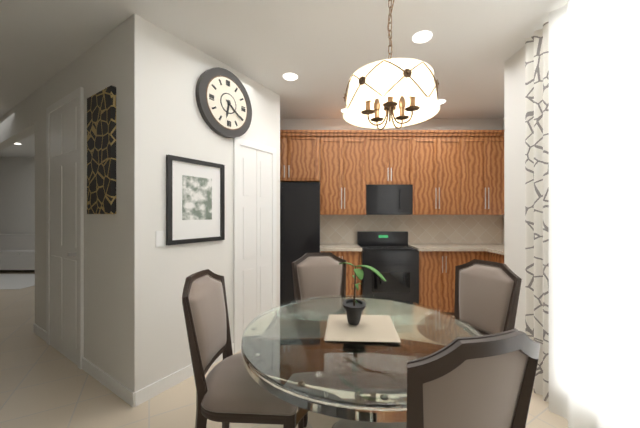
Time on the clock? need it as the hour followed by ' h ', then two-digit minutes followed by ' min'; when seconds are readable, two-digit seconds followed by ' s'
6 h 21 min
